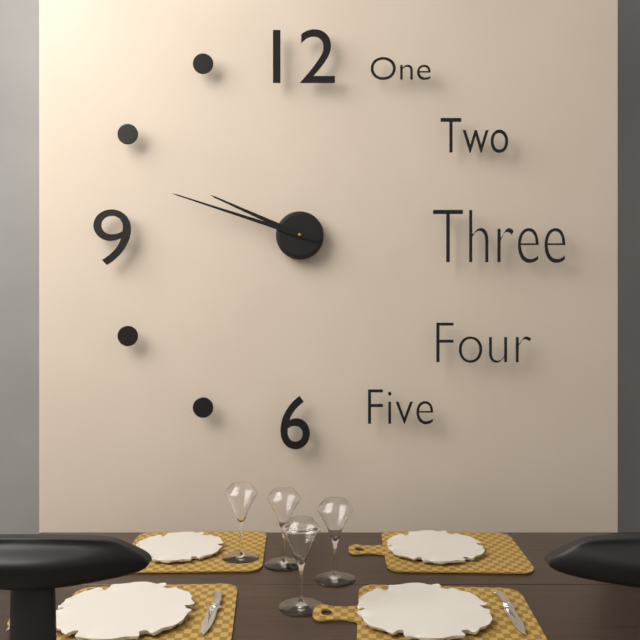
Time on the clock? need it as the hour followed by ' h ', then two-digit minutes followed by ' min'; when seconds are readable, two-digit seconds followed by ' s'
9 h 48 min
